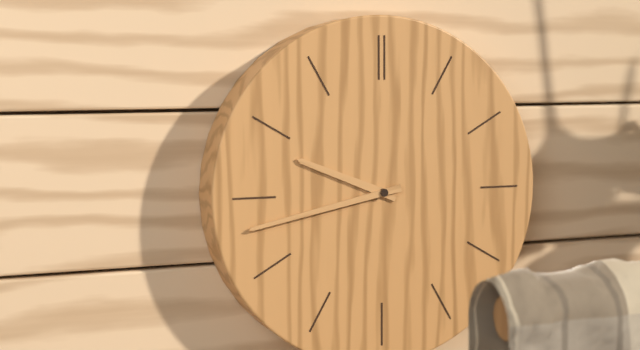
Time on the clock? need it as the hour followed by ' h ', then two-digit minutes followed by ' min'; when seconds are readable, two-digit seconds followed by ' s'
9 h 43 min
